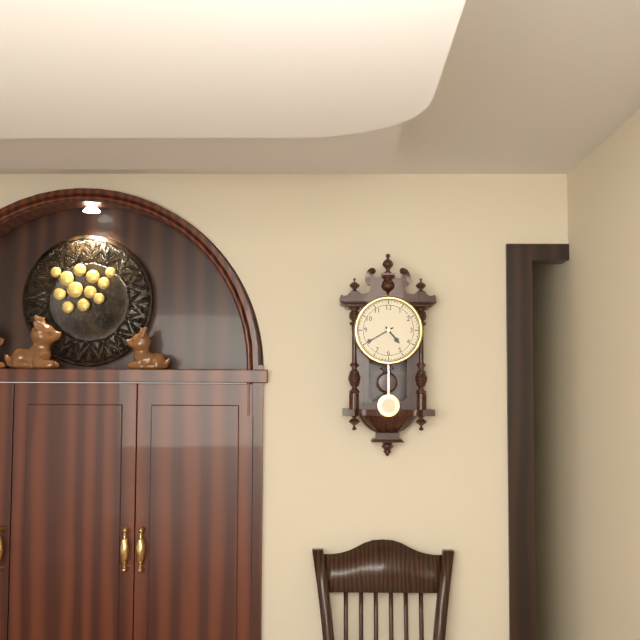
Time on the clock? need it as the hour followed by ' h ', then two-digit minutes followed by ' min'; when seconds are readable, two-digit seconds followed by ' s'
4 h 40 min
